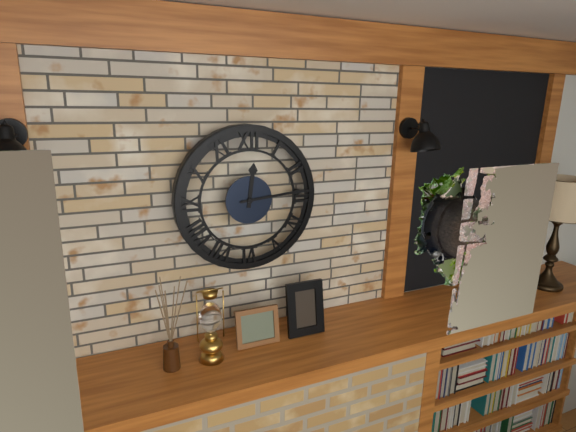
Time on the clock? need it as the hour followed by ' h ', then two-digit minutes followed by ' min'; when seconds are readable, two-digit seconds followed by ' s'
12 h 14 min
